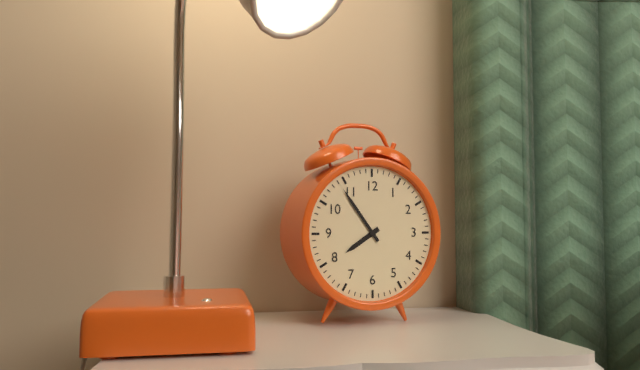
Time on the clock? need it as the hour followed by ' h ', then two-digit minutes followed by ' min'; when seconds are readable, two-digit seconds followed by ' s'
7 h 54 min
